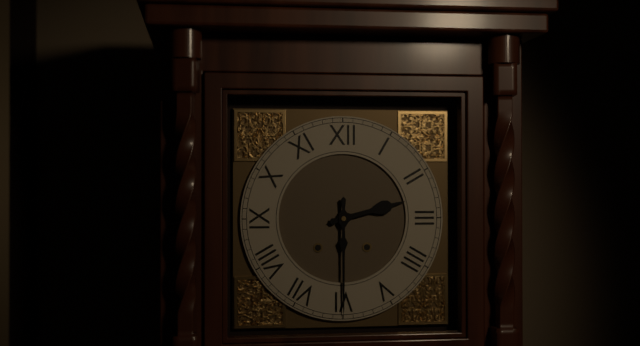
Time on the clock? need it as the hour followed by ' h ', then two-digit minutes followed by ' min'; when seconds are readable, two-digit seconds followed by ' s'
2 h 30 min
